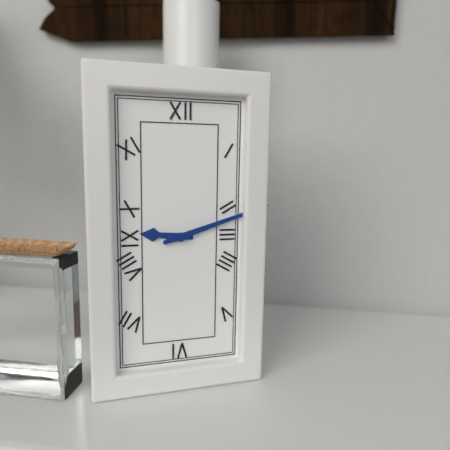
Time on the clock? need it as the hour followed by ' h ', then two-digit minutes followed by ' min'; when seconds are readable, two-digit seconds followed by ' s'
9 h 12 min
